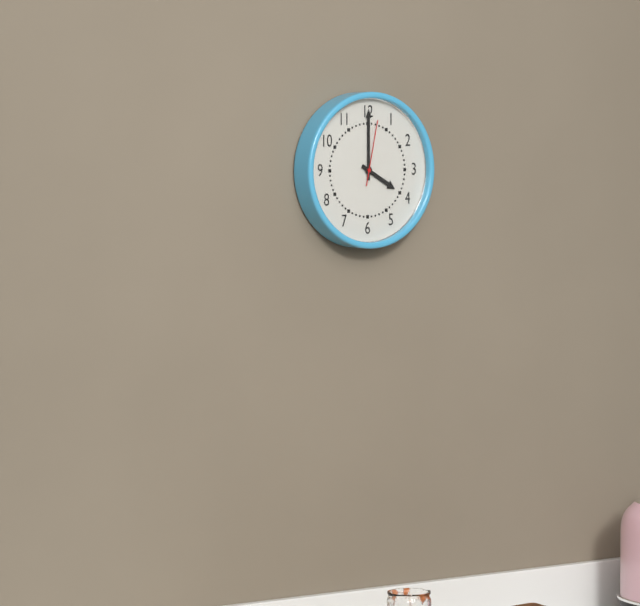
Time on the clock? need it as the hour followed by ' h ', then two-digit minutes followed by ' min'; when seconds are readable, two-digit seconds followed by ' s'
4 h 00 min 02 s
